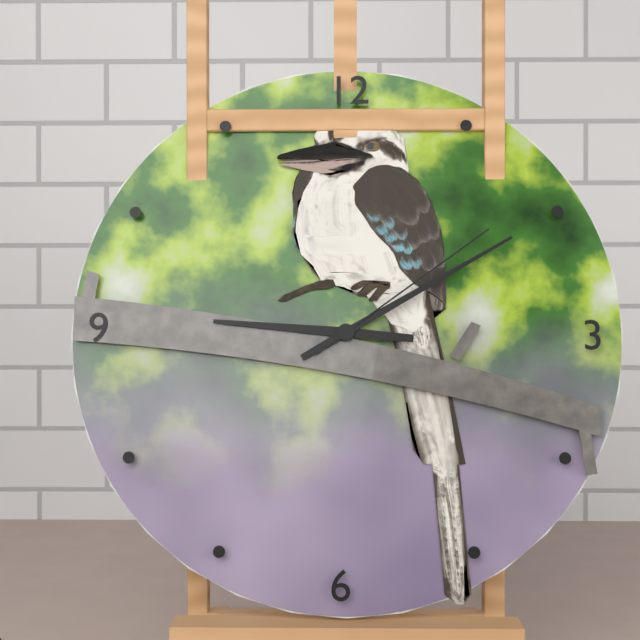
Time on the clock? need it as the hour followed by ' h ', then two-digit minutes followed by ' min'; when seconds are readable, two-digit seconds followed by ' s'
9 h 10 min 09 s
